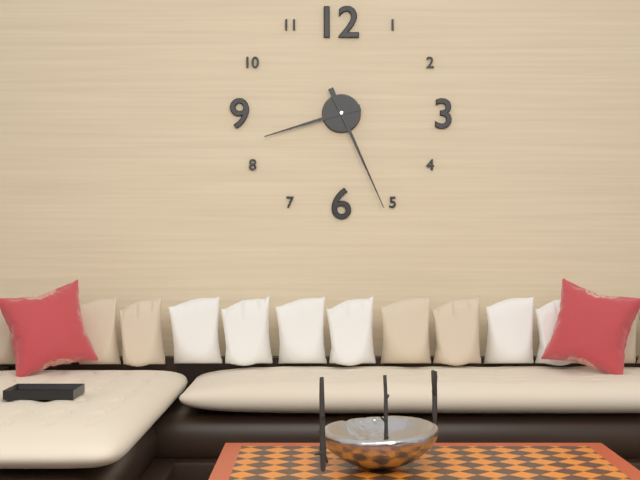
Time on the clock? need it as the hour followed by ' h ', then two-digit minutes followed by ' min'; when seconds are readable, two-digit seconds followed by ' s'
8 h 26 min
